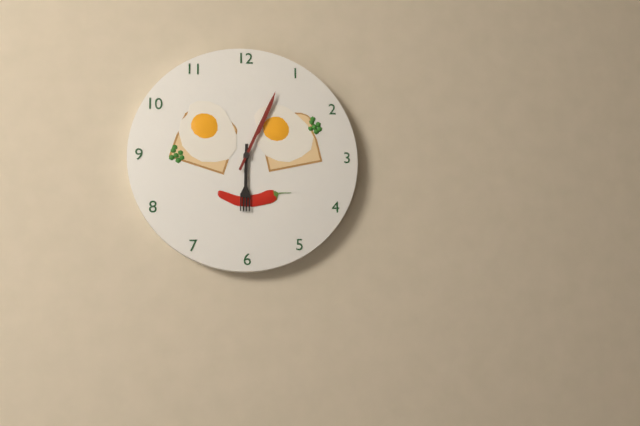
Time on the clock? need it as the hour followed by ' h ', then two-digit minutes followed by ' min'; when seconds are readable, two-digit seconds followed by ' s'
6 h 04 min
